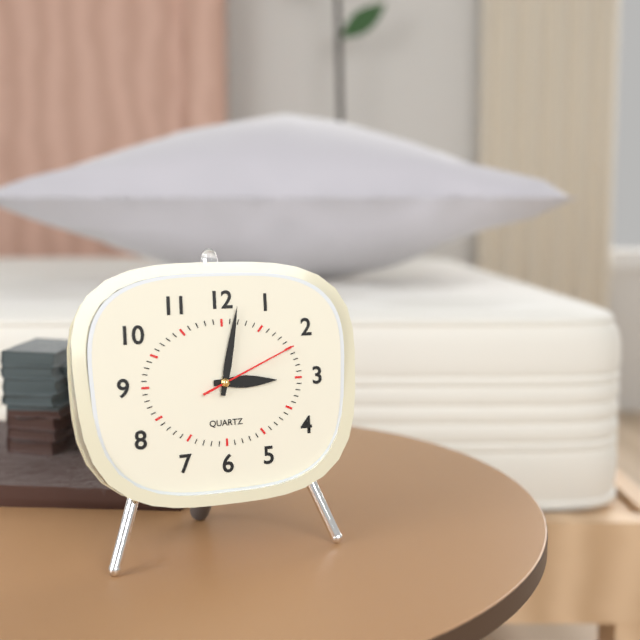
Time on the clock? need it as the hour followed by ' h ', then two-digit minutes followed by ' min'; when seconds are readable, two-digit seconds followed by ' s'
3 h 02 min 11 s
